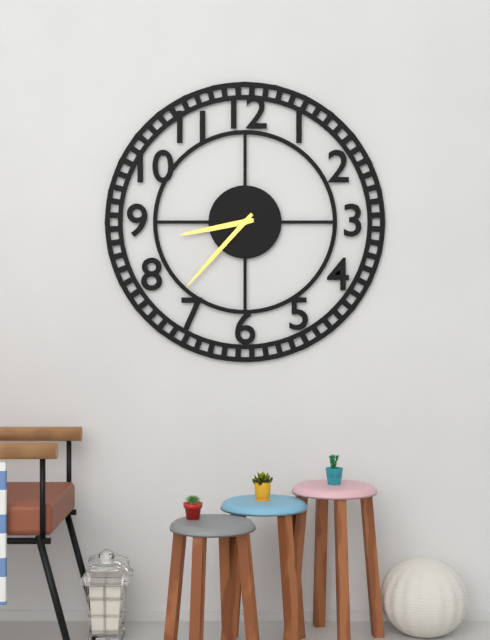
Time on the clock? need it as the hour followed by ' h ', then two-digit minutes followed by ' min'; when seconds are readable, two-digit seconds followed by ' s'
8 h 37 min
